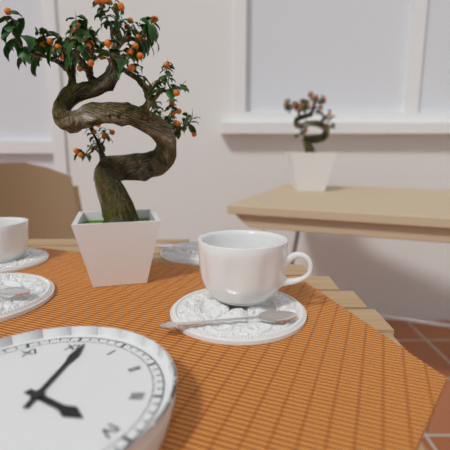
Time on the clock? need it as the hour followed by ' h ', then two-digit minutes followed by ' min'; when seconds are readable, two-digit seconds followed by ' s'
4 h 01 min
